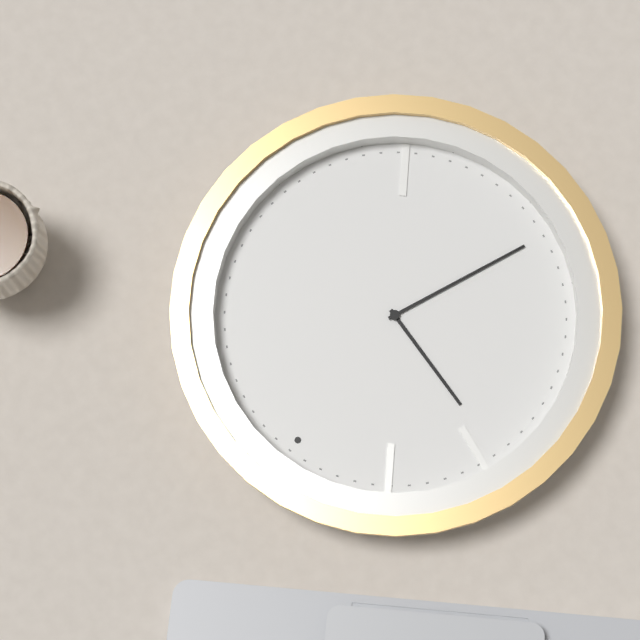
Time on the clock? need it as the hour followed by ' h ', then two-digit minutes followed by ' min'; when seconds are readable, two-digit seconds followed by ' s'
9 h 34 min
